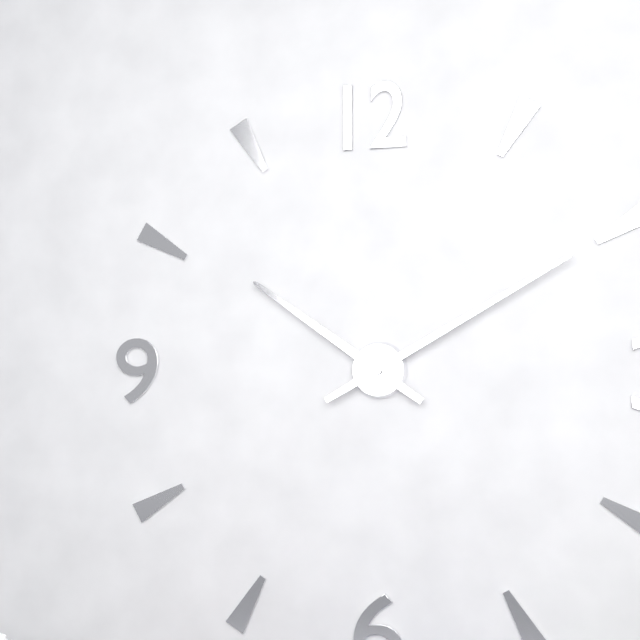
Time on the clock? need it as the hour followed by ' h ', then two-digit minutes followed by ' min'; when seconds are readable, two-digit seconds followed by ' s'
10 h 10 min
